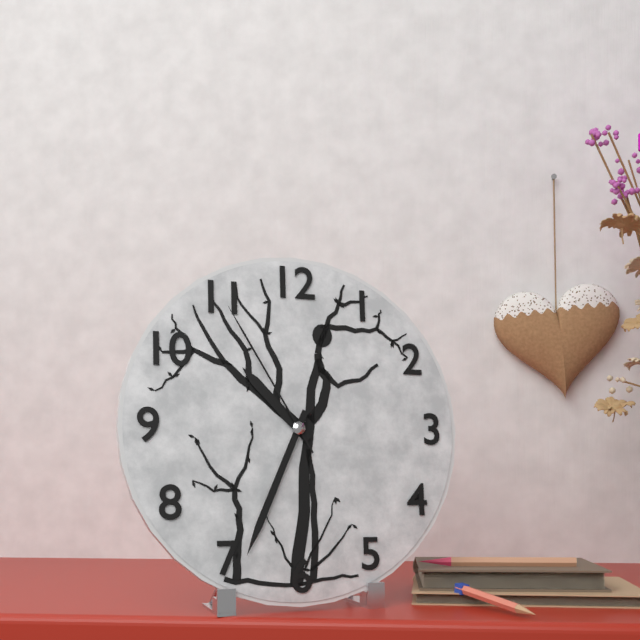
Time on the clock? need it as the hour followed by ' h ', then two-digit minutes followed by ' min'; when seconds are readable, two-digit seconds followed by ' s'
10 h 34 min 55 s
